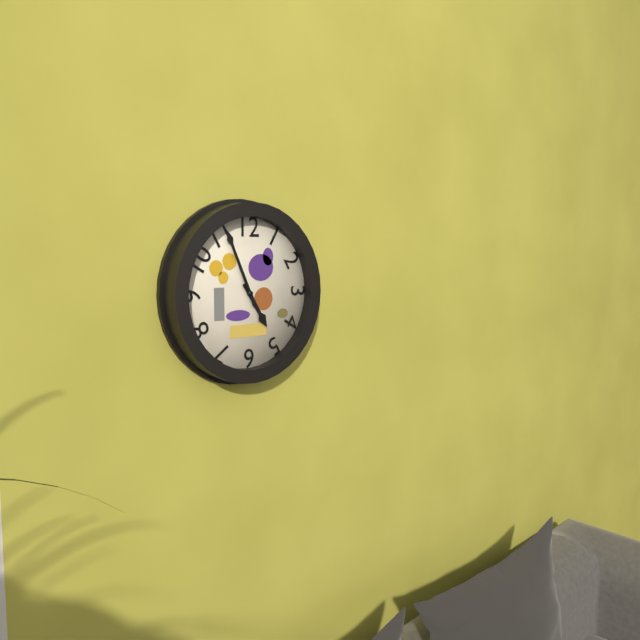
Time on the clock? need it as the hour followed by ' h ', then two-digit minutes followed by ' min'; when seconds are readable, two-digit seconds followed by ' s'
4 h 56 min
